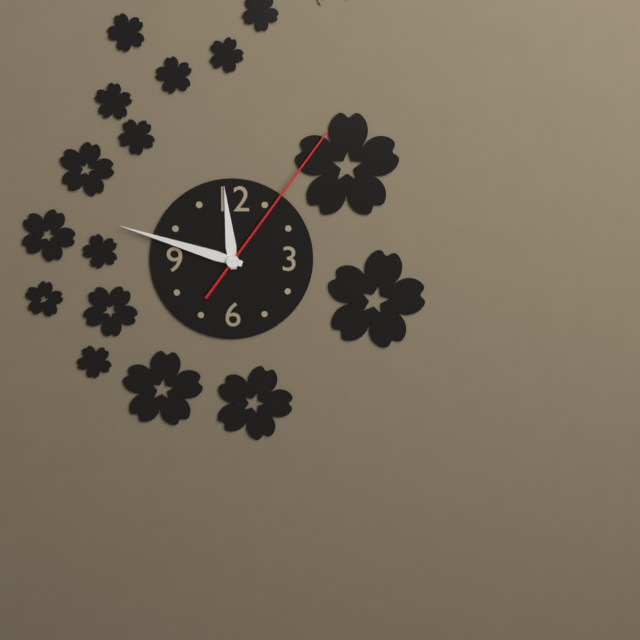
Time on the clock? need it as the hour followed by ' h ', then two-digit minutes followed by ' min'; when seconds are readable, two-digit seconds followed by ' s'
11 h 48 min 06 s
